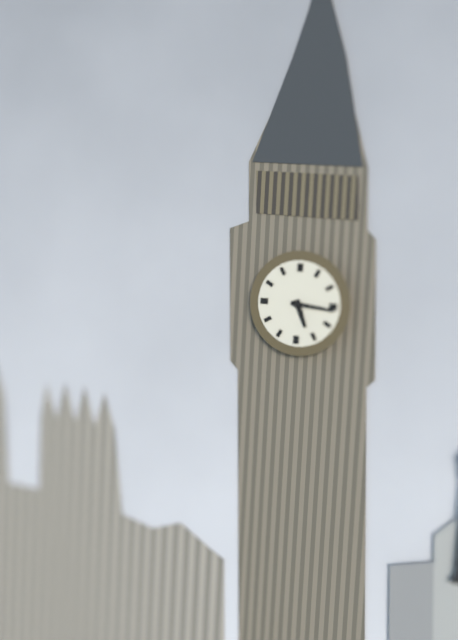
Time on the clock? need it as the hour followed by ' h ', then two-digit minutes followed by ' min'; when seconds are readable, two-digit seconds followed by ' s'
5 h 16 min
